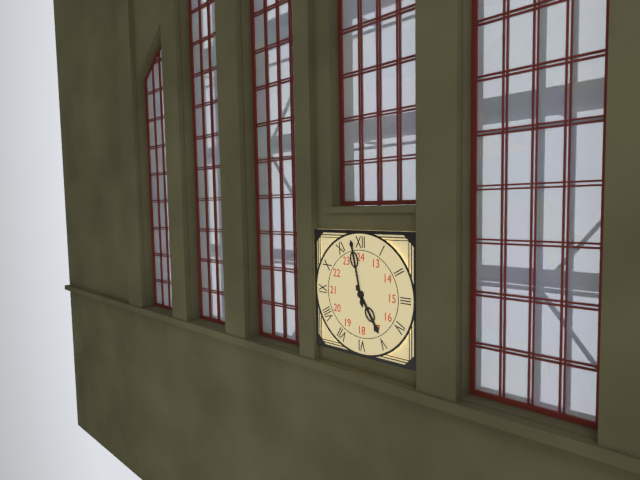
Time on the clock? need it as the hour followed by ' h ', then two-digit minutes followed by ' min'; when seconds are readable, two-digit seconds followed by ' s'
4 h 58 min
